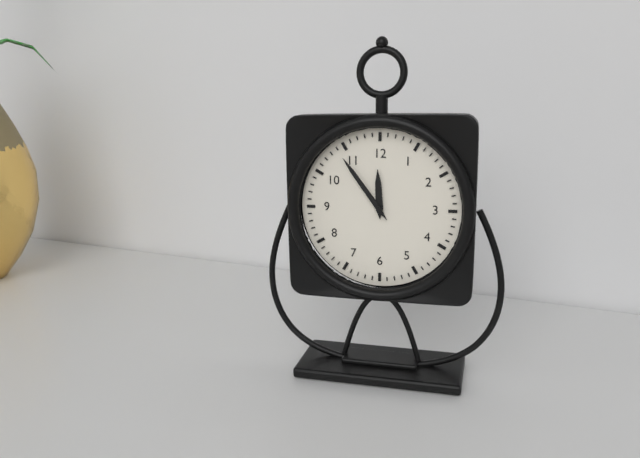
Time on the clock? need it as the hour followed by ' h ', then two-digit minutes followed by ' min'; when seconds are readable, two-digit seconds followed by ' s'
11 h 54 min
